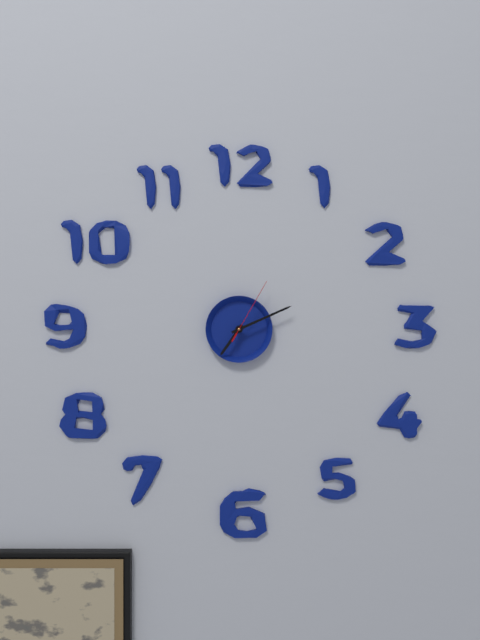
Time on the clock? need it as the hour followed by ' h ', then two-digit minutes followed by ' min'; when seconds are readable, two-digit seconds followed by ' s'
7 h 11 min 05 s
